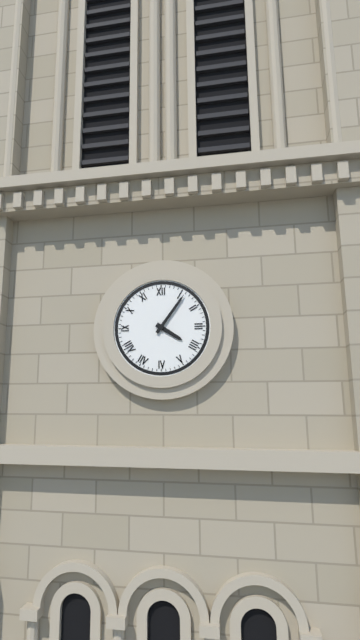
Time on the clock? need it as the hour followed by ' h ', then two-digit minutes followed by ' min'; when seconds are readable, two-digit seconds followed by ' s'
4 h 06 min
